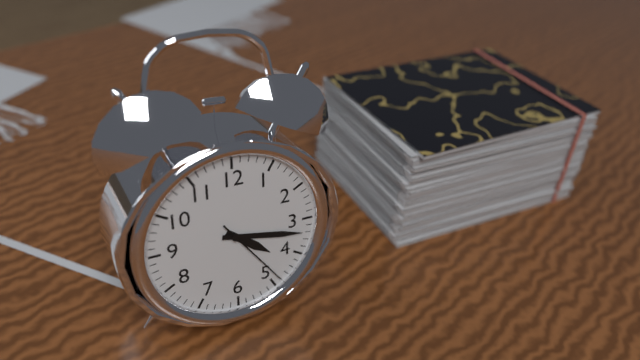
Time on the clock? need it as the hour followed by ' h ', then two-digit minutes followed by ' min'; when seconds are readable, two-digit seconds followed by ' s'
4 h 17 min 24 s
